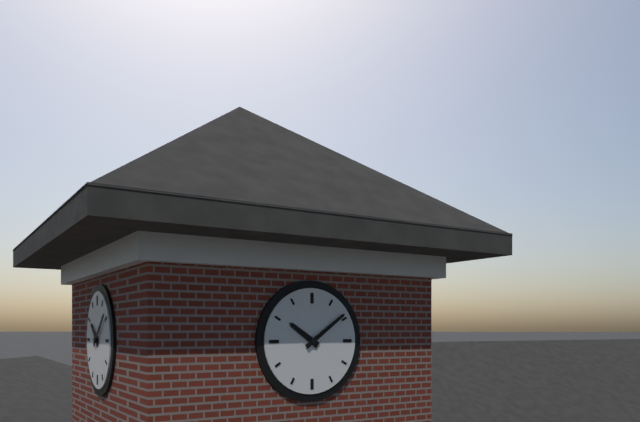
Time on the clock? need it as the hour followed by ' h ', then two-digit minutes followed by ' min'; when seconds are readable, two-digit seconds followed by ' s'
10 h 09 min
